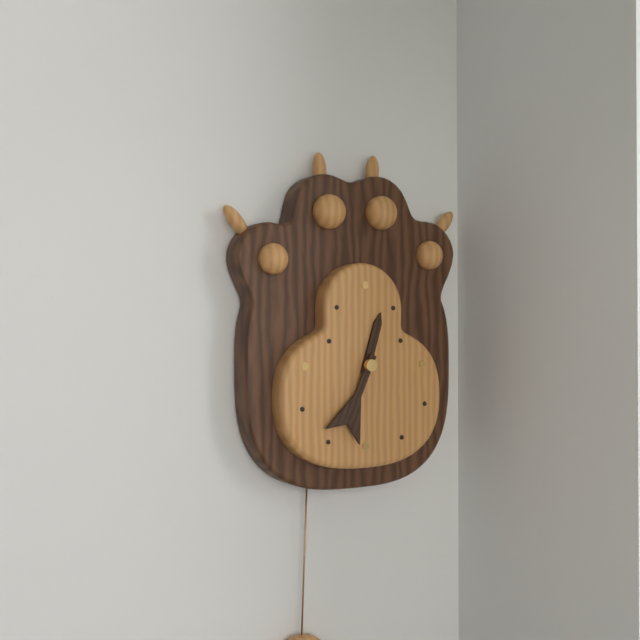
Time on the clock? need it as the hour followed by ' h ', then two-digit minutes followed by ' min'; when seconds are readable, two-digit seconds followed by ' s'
12 h 34 min
